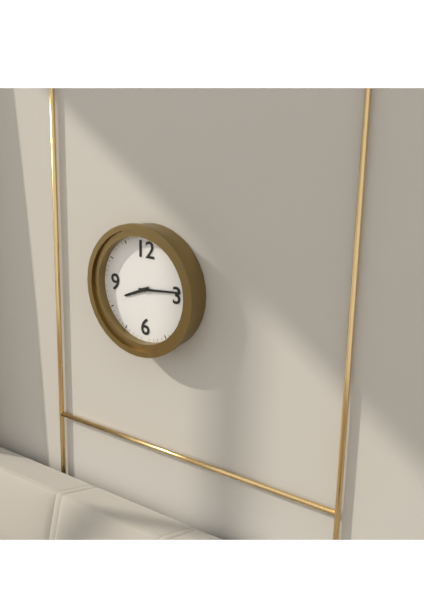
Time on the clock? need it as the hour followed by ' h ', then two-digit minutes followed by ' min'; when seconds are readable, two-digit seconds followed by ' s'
8 h 14 min
